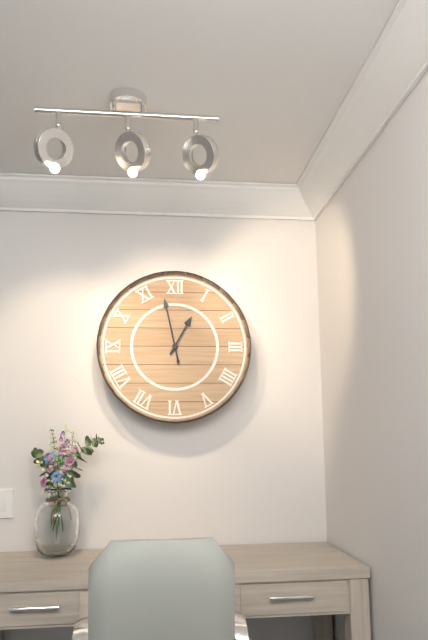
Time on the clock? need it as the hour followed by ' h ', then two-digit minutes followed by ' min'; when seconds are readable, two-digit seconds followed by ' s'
12 h 58 min
